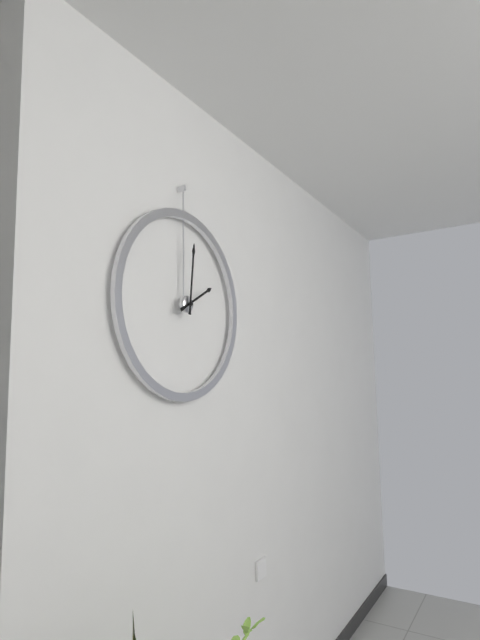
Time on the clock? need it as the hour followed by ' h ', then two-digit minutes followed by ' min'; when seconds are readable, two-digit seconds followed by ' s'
2 h 01 min
